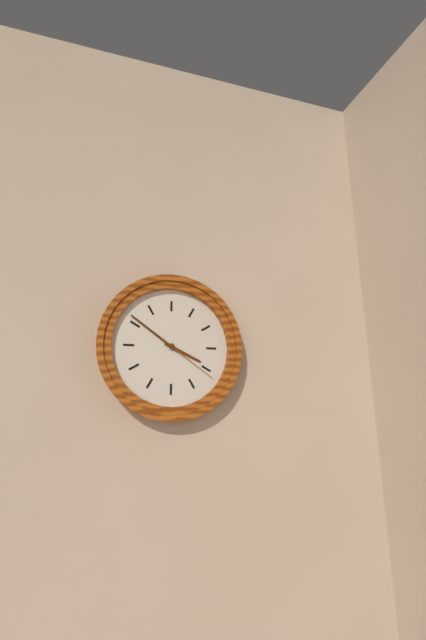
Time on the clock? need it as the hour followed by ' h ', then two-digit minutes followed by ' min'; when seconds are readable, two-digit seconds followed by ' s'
3 h 51 min 21 s
